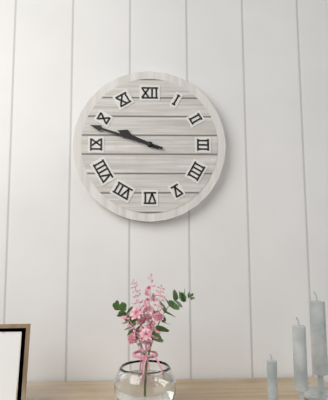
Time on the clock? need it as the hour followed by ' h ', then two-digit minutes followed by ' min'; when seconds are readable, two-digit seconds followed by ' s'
9 h 48 min
